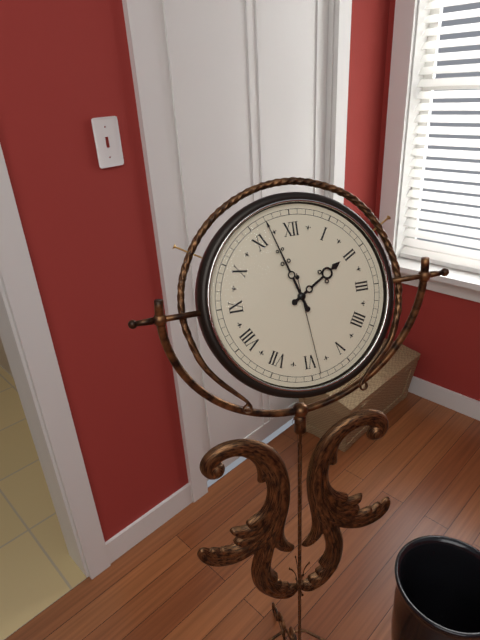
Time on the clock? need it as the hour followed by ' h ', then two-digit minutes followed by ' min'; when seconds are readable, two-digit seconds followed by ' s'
1 h 57 min 29 s
